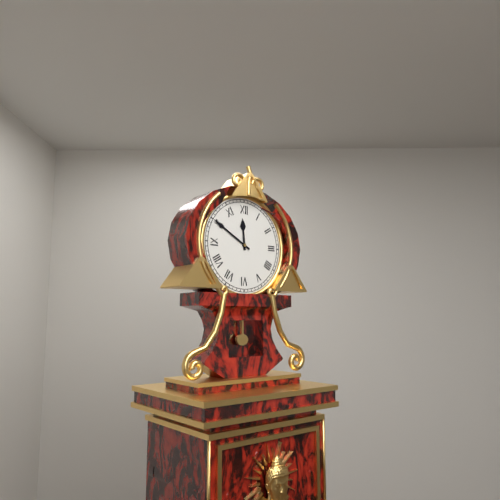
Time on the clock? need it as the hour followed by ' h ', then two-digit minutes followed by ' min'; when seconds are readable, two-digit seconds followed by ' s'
11 h 50 min
